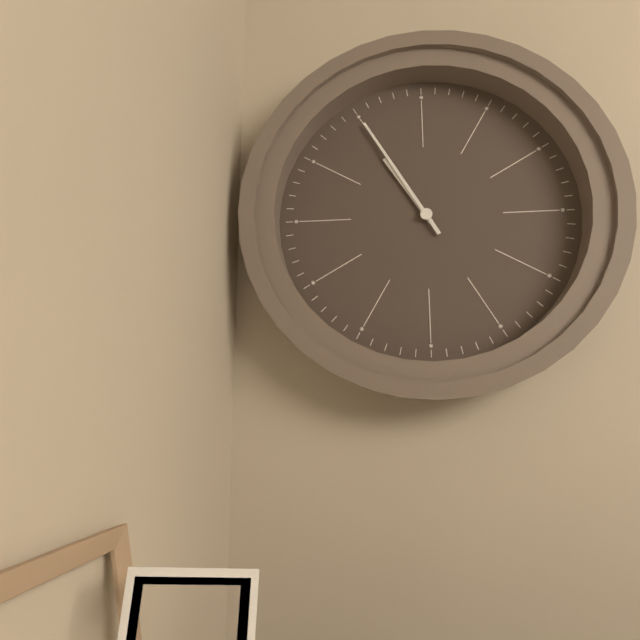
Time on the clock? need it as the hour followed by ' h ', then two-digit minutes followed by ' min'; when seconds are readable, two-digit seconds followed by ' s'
10 h 55 min
